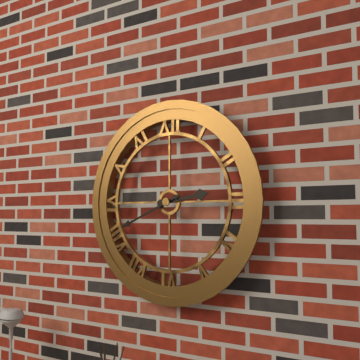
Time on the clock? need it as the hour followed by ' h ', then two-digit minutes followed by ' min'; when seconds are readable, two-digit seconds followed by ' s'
2 h 41 min
